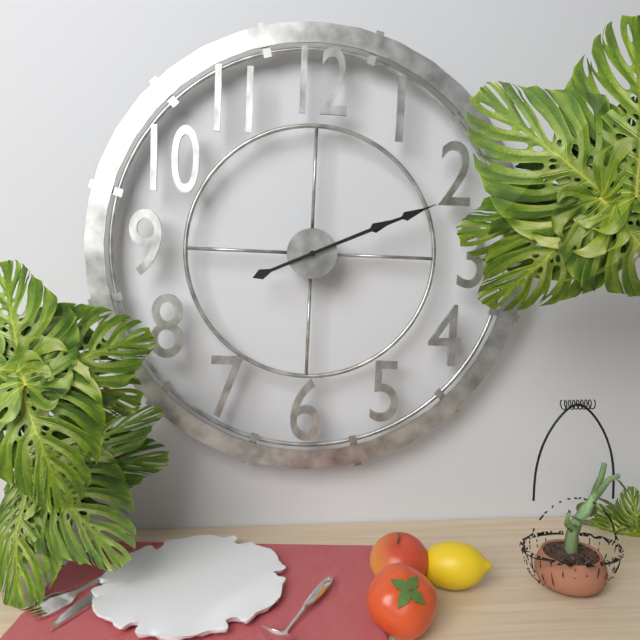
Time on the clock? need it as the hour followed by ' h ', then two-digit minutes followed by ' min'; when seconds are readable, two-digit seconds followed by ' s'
2 h 11 min
